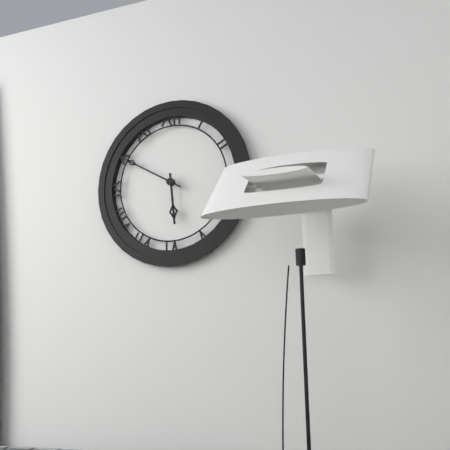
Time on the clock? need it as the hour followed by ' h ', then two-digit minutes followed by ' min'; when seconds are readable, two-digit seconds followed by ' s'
5 h 50 min
